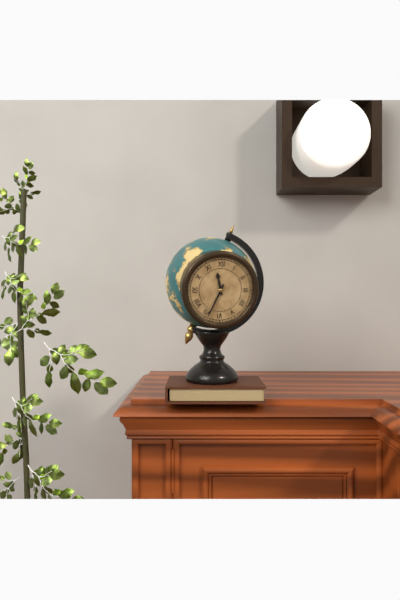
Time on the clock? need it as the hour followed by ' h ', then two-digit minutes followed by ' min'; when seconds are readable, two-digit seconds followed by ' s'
11 h 34 min
